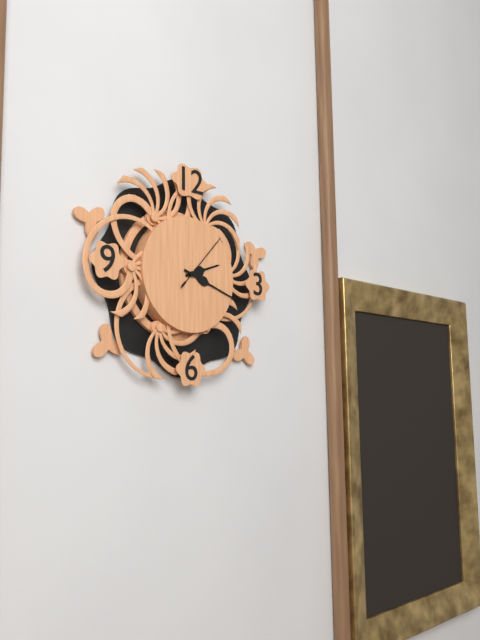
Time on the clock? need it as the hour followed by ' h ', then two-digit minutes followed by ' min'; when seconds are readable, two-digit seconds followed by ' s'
2 h 18 min 07 s
